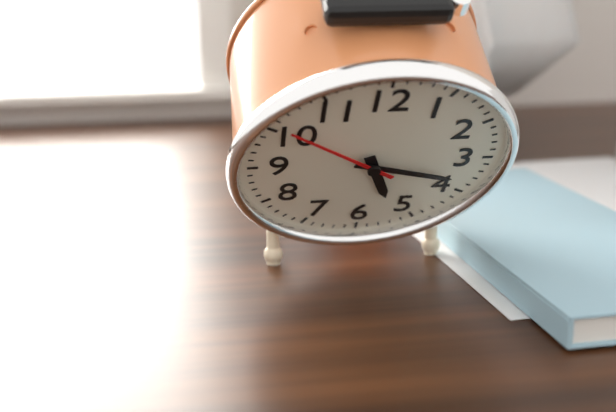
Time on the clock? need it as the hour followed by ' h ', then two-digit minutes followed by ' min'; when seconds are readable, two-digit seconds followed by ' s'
5 h 18 min 51 s
